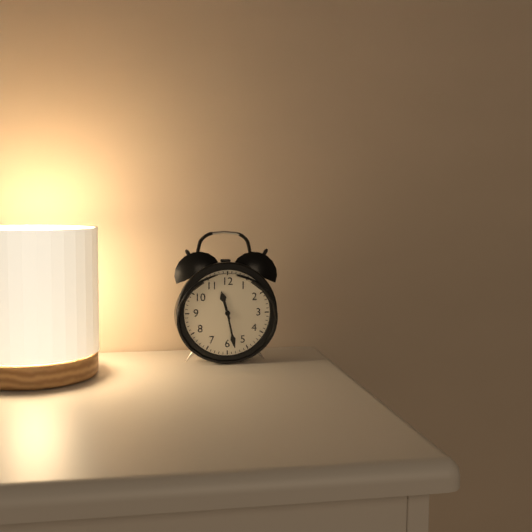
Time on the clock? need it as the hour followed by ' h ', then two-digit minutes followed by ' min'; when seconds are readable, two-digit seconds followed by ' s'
11 h 28 min
